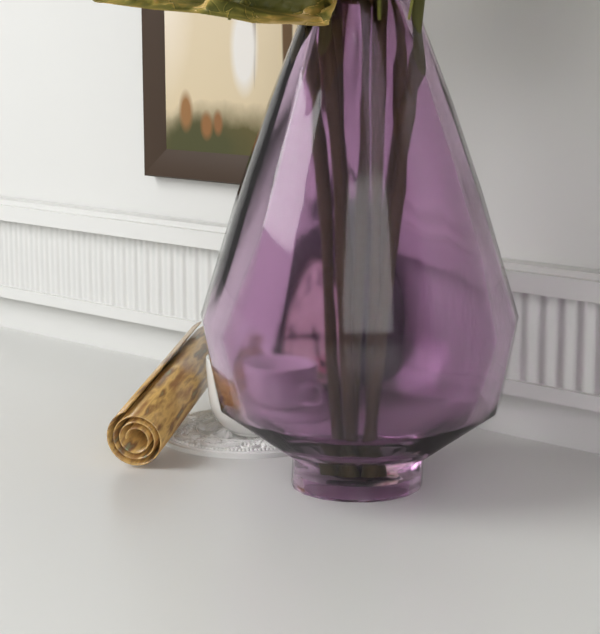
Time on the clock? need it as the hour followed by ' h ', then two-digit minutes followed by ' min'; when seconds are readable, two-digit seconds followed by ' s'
4 h 44 min
